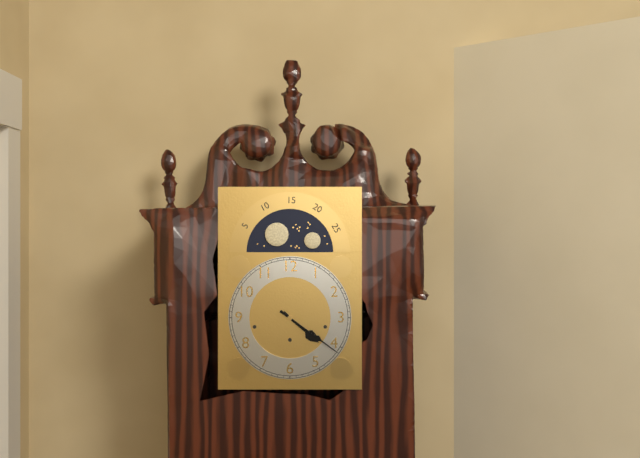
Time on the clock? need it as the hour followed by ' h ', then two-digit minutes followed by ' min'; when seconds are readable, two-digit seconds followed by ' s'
4 h 21 min
